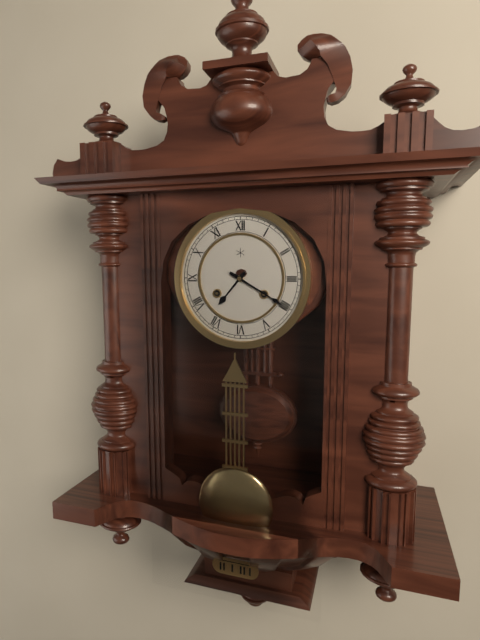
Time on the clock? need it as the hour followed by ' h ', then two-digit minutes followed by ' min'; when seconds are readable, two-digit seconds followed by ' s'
7 h 20 min
